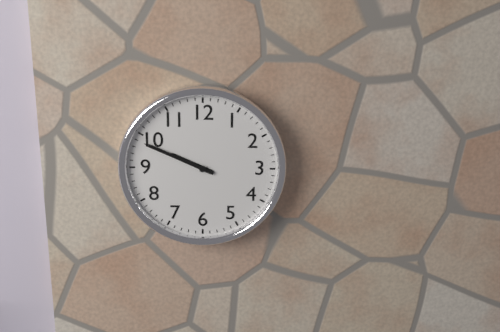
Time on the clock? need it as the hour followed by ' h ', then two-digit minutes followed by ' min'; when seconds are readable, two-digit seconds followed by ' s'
9 h 49 min
